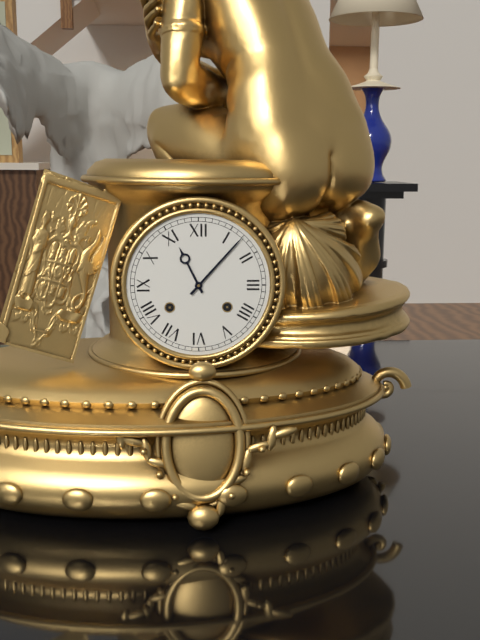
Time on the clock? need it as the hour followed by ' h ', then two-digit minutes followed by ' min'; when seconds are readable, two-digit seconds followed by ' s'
11 h 07 min
